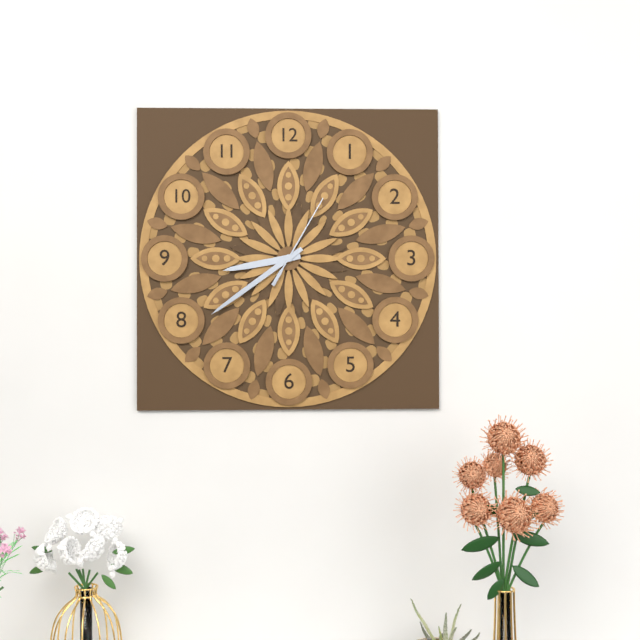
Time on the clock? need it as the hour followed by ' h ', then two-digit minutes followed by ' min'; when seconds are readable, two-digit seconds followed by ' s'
8 h 39 min 05 s
